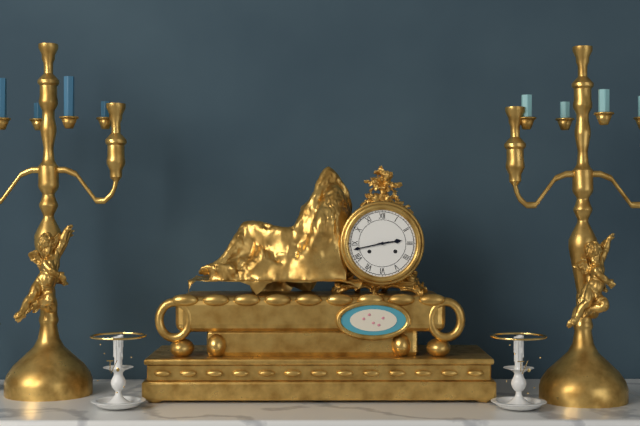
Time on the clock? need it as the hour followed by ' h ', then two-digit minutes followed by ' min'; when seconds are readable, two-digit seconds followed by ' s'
2 h 43 min
